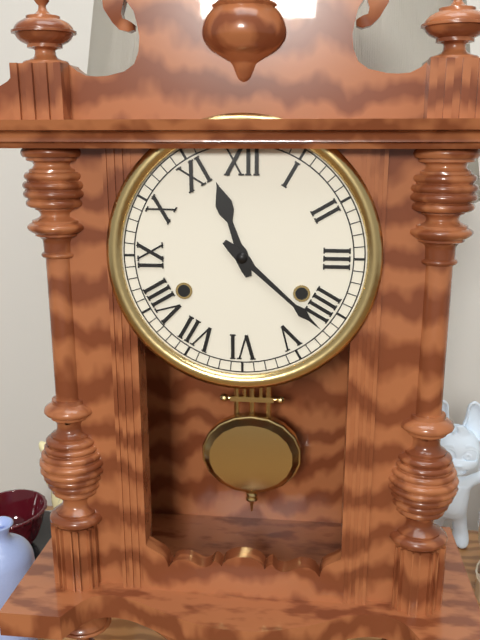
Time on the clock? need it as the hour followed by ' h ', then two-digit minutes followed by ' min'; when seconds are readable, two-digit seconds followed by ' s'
11 h 22 min
